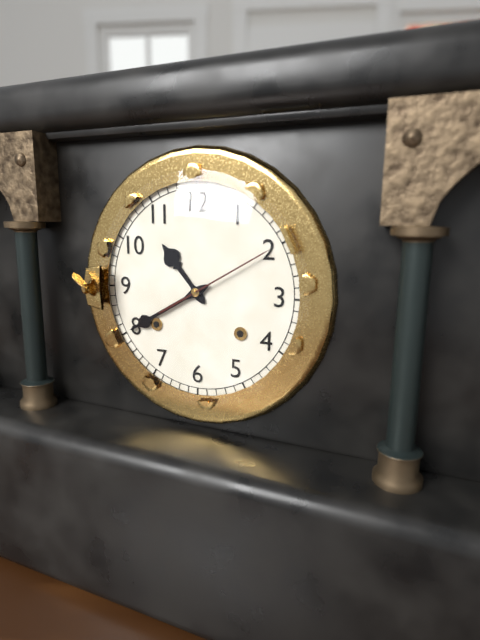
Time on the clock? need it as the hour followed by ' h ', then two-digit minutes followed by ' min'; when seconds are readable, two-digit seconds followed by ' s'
10 h 40 min 10 s
